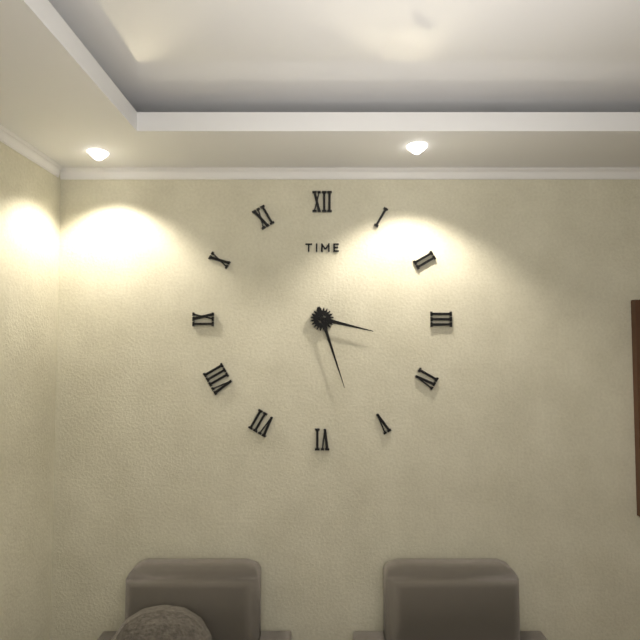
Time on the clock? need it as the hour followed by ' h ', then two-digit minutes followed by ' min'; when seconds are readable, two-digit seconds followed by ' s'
3 h 27 min
